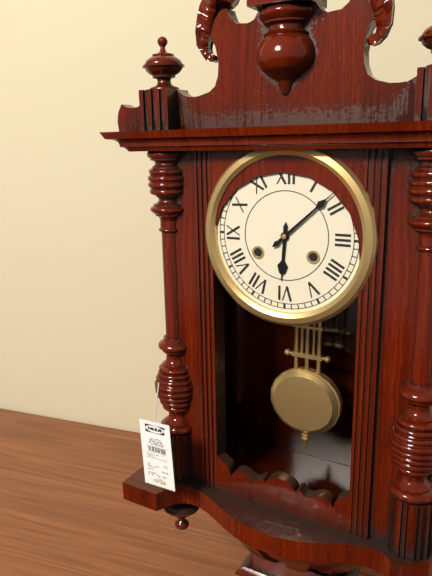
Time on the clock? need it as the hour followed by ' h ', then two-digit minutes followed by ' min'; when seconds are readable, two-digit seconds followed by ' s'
6 h 08 min
